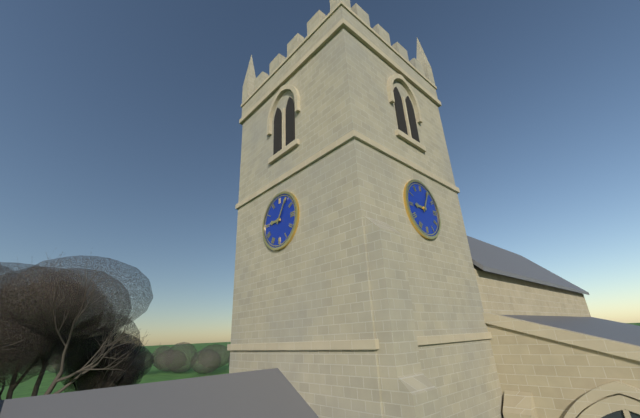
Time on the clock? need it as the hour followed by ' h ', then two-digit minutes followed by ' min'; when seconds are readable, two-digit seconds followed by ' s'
9 h 05 min
